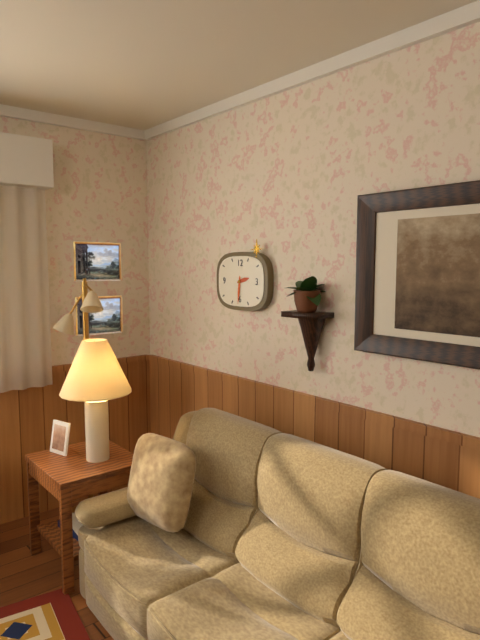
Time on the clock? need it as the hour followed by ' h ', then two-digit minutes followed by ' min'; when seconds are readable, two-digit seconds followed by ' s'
2 h 31 min
